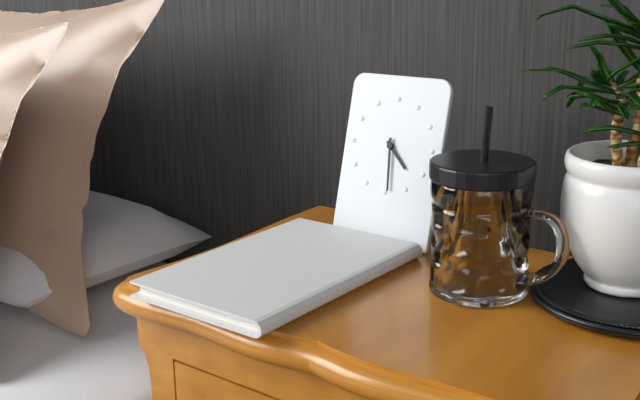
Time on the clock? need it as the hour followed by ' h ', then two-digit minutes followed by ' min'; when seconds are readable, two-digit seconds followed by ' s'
4 h 29 min
